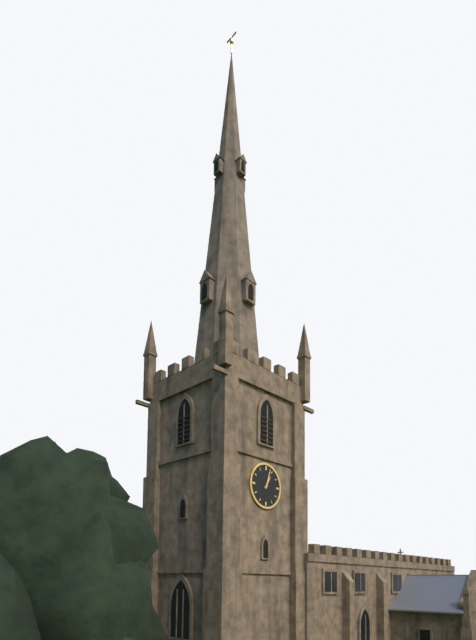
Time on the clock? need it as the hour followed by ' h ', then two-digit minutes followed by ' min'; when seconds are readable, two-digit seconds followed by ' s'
1 h 03 min
